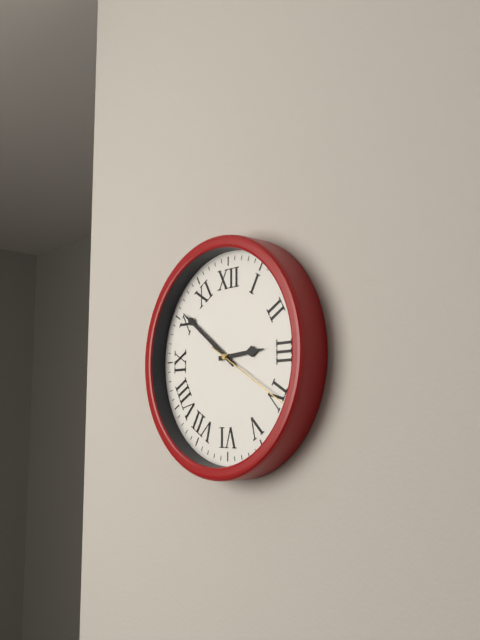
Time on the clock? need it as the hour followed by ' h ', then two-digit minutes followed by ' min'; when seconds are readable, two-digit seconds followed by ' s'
2 h 51 min 20 s
